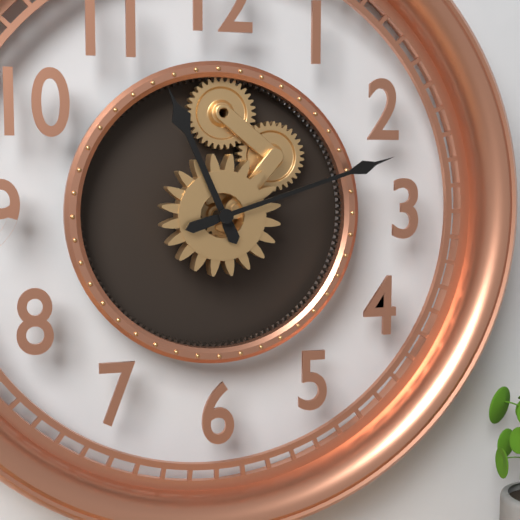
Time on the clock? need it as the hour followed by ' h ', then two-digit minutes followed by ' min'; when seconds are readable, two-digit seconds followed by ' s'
11 h 12 min
